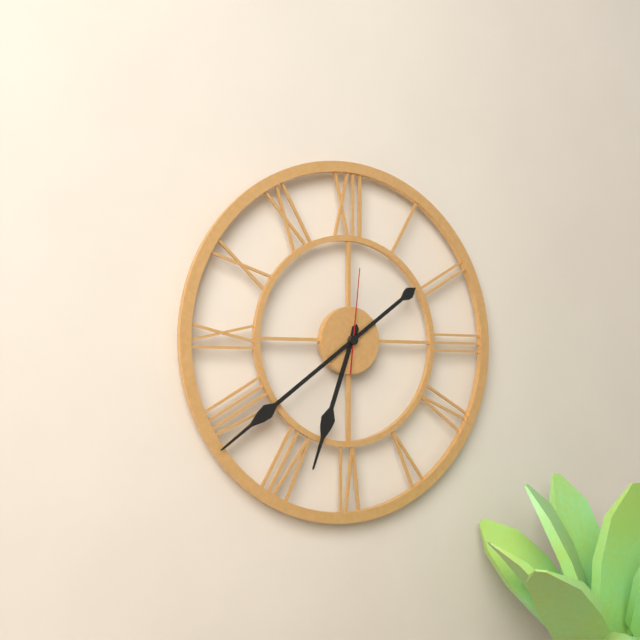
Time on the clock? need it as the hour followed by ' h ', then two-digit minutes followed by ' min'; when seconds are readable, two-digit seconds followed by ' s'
6 h 39 min 01 s
